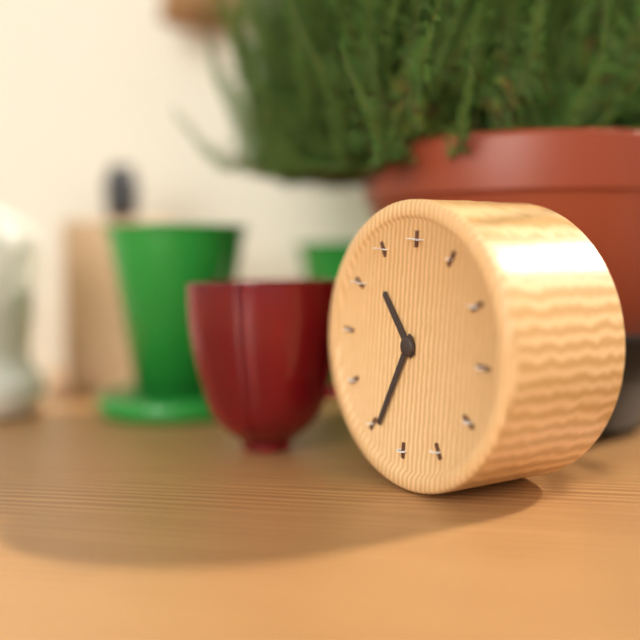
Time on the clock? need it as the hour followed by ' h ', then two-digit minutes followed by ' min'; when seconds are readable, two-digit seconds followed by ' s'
10 h 34 min
